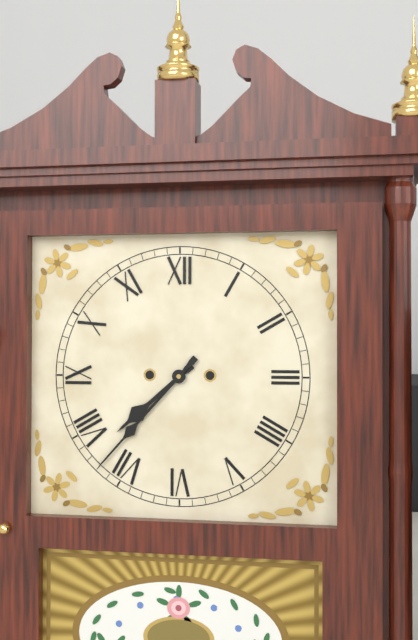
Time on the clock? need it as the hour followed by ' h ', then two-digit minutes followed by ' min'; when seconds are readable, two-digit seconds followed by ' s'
7 h 37 min
